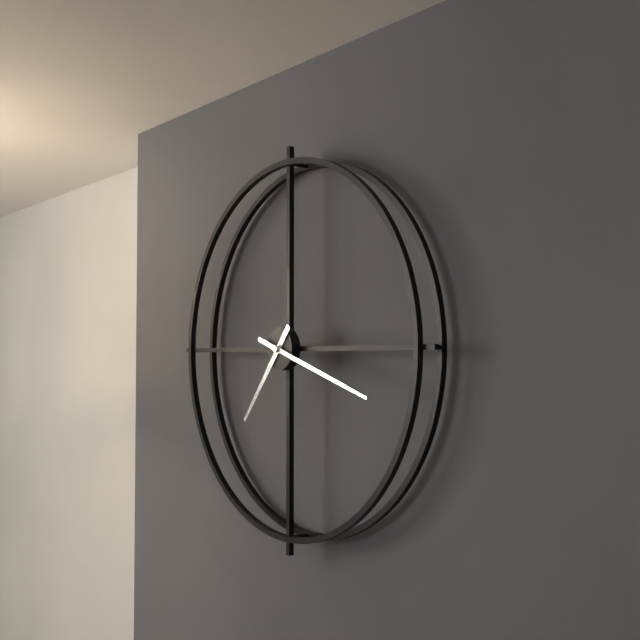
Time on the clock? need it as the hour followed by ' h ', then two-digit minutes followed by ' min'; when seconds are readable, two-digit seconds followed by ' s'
7 h 18 min
